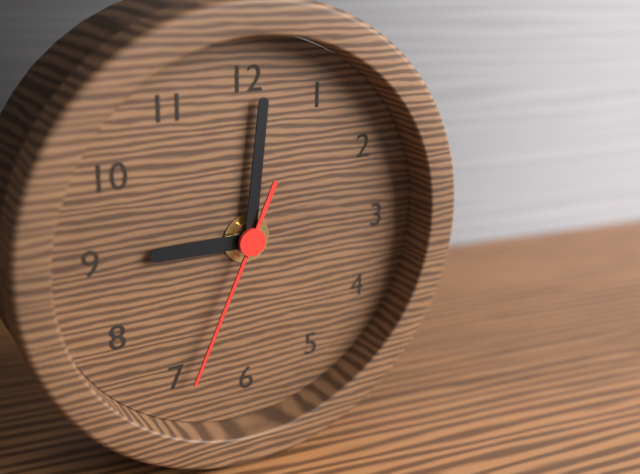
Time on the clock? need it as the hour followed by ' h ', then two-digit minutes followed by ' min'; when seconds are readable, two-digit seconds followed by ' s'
9 h 01 min 34 s
